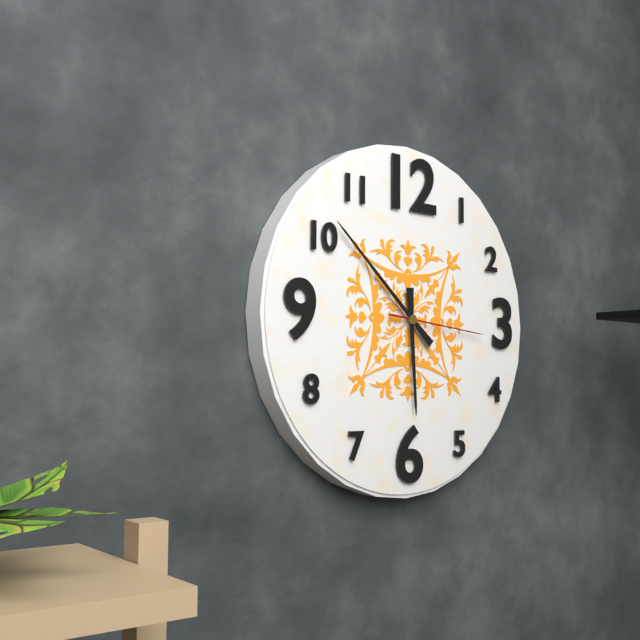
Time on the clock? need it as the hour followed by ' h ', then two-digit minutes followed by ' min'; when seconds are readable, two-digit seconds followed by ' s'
5 h 52 min 16 s
